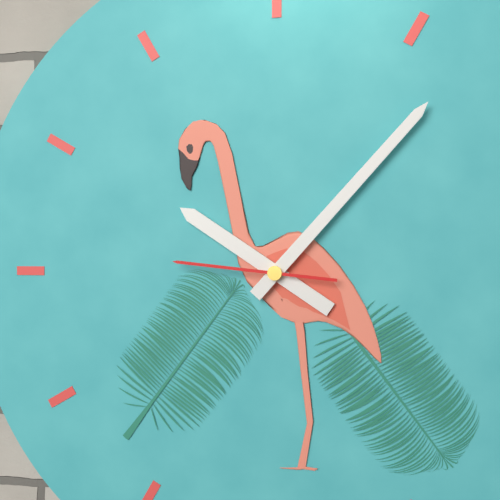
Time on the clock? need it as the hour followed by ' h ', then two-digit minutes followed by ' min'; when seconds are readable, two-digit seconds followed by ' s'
10 h 07 min 46 s
